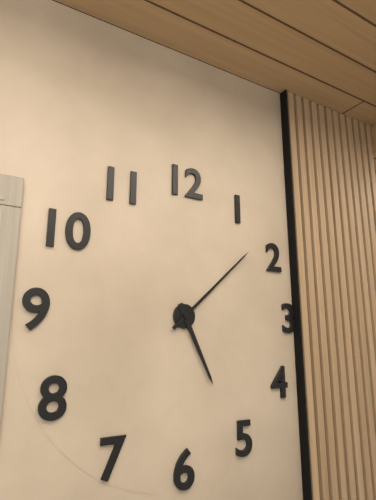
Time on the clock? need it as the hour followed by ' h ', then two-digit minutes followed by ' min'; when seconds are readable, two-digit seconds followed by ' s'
5 h 08 min
